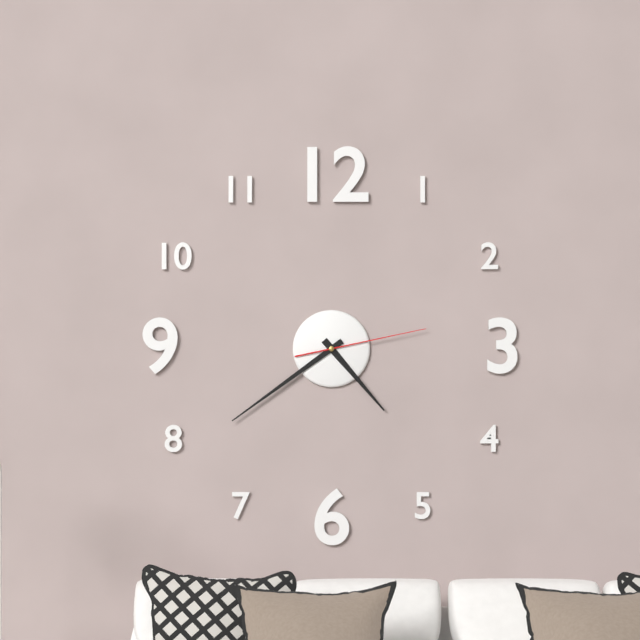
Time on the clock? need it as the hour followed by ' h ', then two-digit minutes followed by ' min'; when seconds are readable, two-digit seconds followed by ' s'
4 h 39 min 13 s
